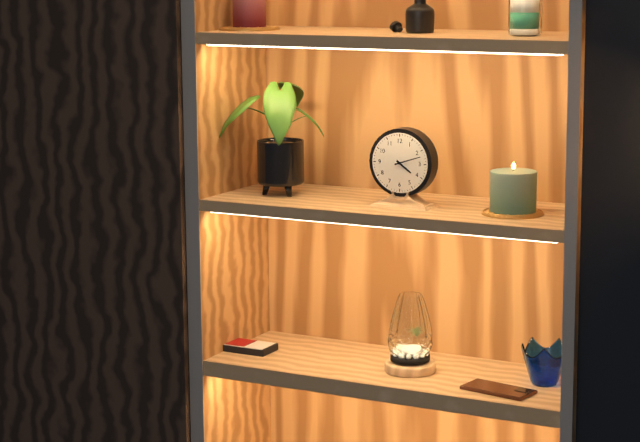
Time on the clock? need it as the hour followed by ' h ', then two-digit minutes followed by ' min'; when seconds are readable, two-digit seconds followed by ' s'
4 h 12 min
